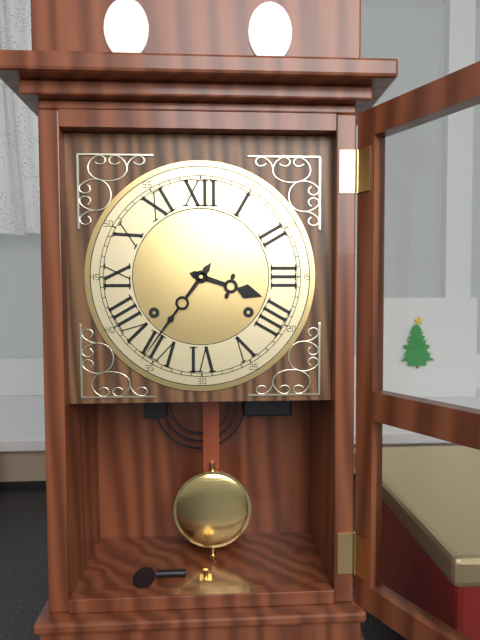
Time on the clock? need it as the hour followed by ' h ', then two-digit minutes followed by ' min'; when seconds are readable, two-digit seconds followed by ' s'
3 h 36 min
